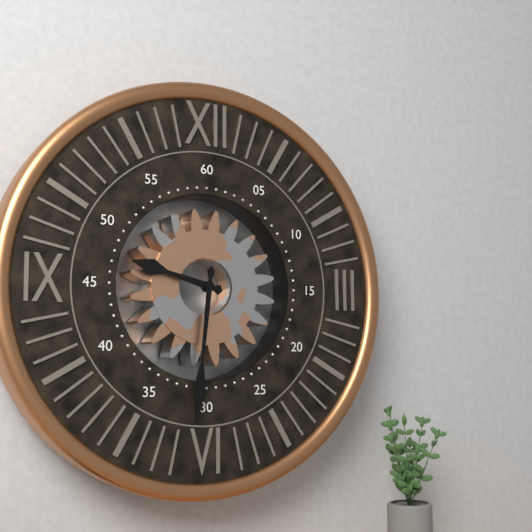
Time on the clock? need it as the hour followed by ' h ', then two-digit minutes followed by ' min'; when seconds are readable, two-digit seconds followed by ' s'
9 h 31 min
